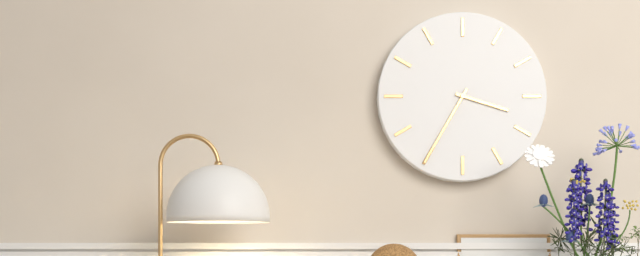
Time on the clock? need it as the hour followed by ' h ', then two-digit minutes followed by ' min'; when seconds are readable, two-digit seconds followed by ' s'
3 h 35 min
